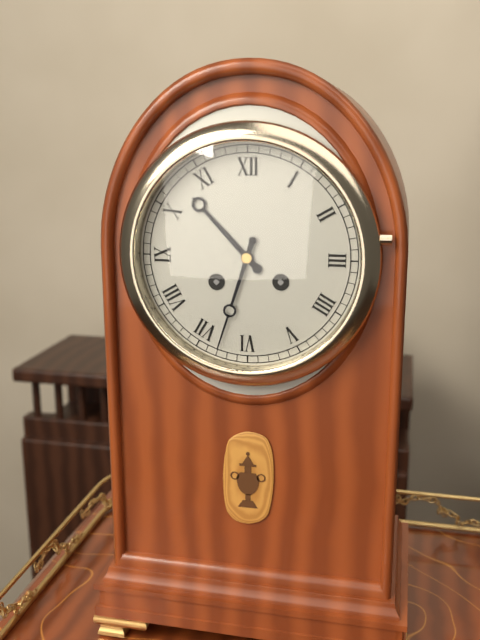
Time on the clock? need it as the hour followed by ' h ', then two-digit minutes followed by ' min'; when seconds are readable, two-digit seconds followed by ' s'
10 h 33 min
